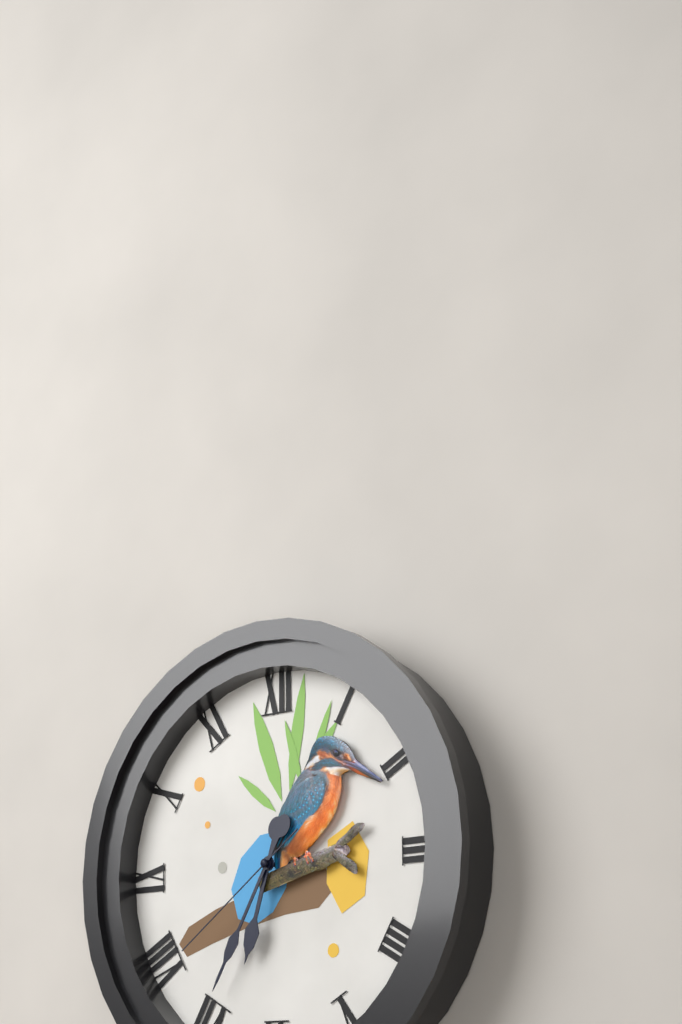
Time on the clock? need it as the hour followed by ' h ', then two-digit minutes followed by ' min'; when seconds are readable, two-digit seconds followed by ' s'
6 h 35 min 39 s
